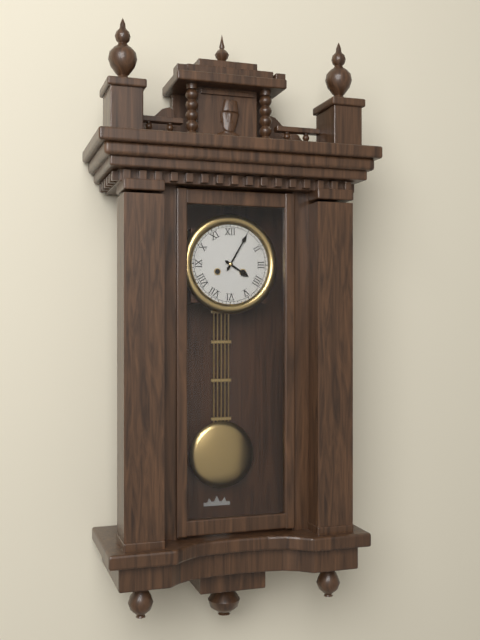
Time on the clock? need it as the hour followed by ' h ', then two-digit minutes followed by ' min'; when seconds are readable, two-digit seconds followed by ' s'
4 h 05 min
